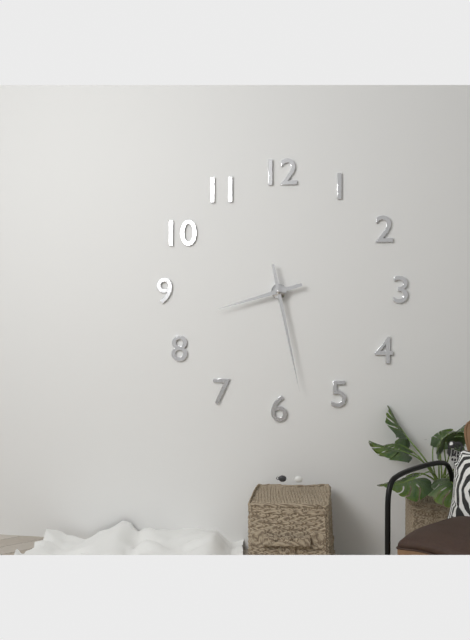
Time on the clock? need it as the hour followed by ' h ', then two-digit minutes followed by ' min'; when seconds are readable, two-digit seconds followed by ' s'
8 h 28 min
